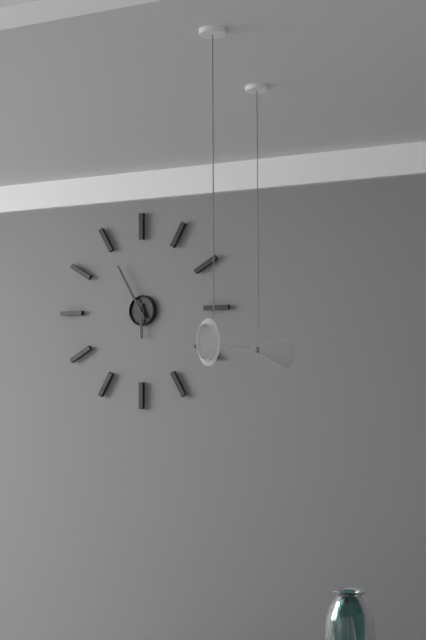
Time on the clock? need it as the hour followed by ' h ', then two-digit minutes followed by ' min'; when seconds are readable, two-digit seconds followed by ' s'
5 h 55 min
